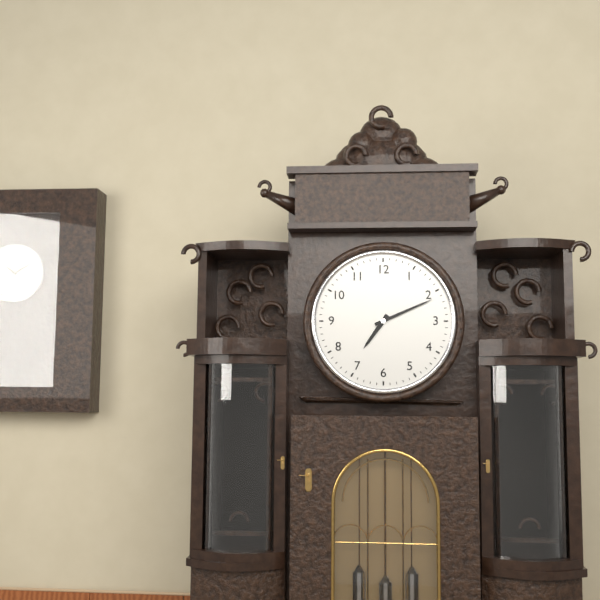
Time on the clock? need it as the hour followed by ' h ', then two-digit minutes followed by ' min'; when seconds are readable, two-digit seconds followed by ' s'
7 h 11 min
